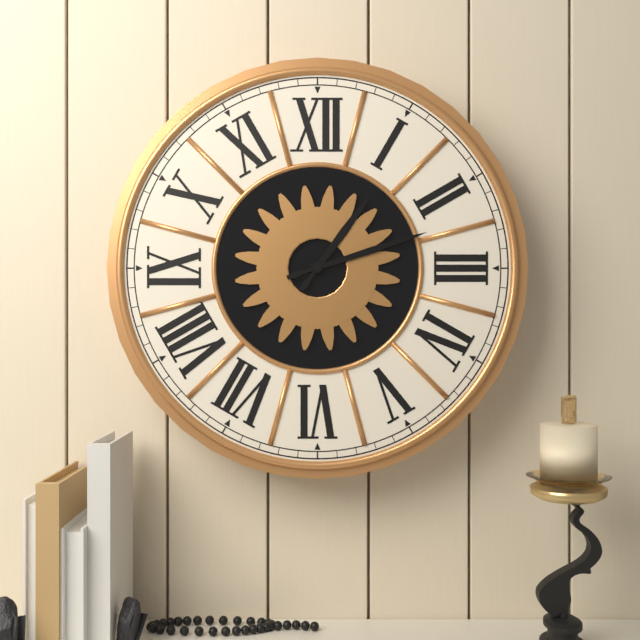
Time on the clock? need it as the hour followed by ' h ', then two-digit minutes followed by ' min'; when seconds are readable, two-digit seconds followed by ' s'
1 h 12 min
